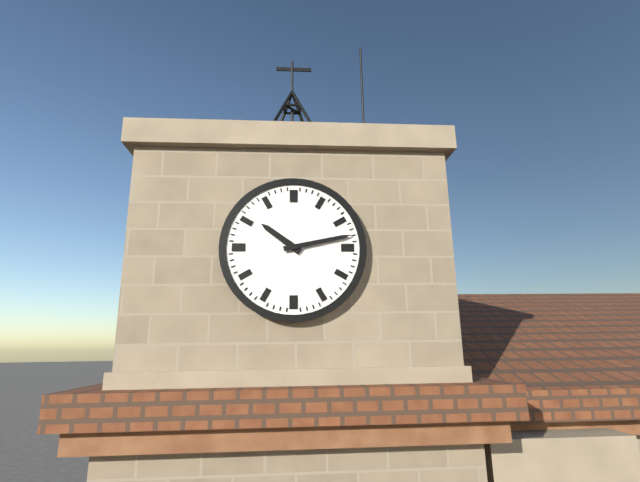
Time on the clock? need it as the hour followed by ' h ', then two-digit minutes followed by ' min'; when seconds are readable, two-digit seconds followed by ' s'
10 h 13 min
